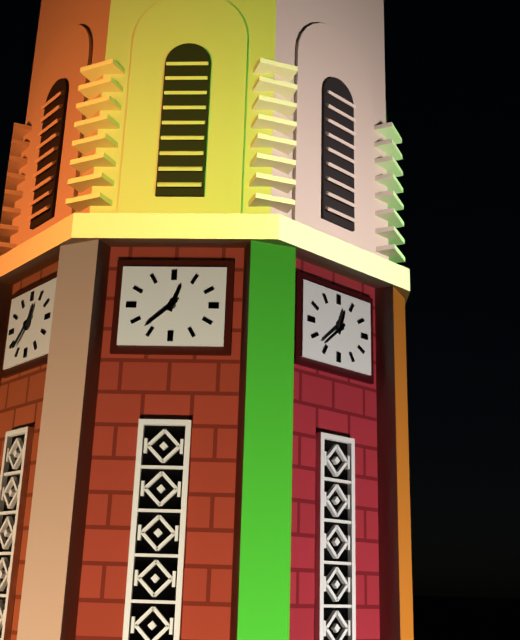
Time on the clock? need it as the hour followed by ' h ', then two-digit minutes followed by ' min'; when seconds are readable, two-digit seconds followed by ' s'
12 h 38 min
